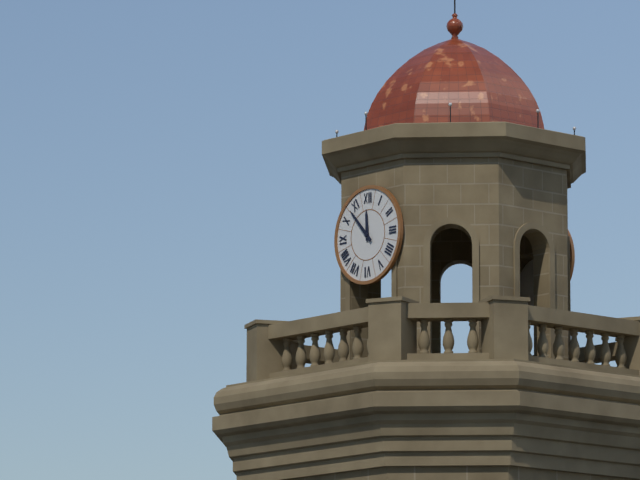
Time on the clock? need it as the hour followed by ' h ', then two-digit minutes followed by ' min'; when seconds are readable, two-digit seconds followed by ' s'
11 h 53 min
